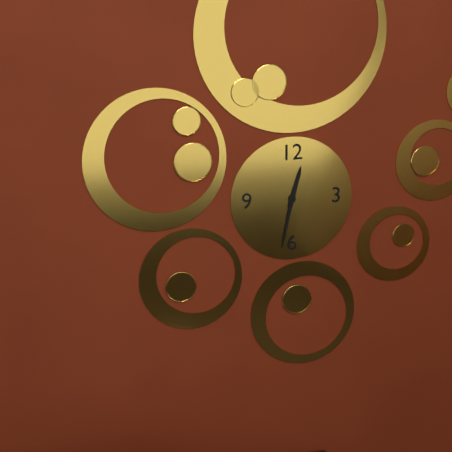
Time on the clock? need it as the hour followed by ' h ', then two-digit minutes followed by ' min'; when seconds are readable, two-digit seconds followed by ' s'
12 h 32 min
